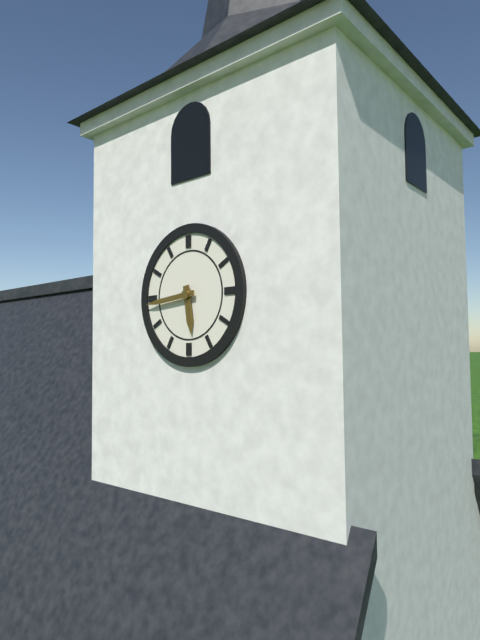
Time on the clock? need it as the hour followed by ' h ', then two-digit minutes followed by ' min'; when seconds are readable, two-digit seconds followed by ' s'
5 h 44 min
